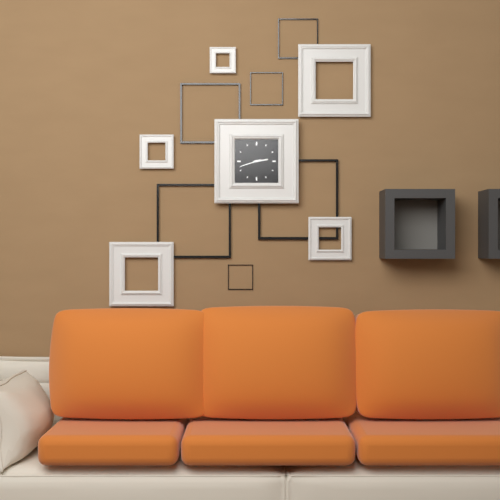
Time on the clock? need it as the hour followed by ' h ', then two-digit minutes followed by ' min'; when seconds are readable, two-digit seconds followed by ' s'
2 h 42 min
